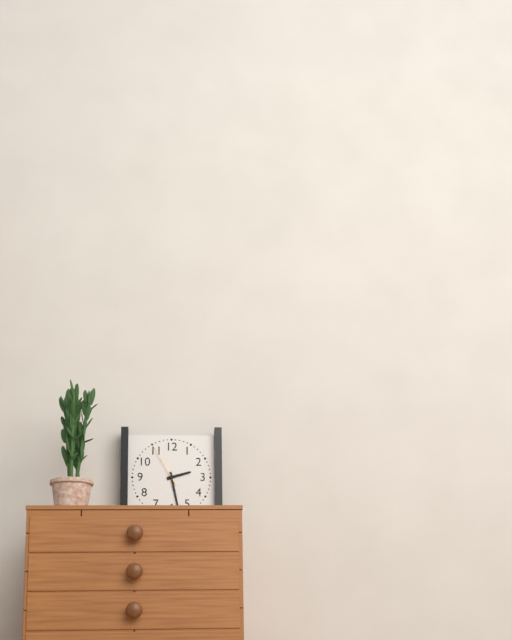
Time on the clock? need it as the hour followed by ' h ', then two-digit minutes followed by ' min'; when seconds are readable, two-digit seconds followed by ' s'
2 h 28 min
